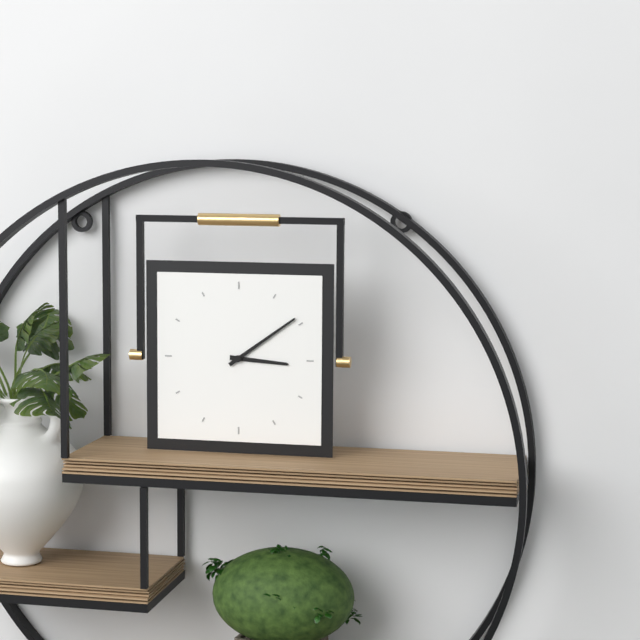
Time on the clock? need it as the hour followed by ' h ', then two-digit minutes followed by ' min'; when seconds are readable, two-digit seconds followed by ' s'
3 h 09 min
